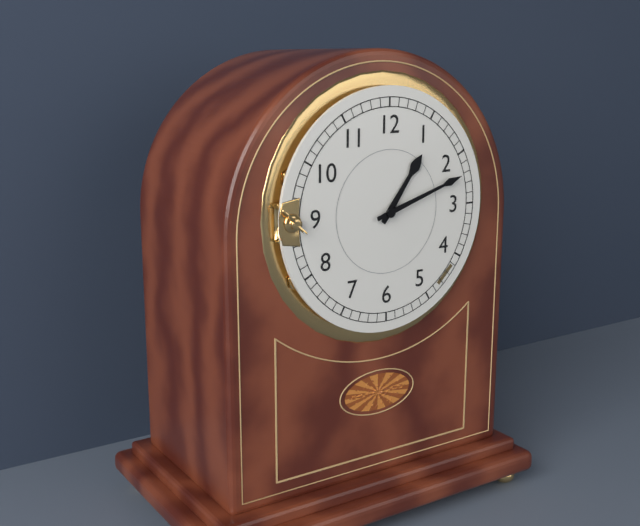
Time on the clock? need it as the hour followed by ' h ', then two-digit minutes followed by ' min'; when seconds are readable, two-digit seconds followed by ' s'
1 h 12 min
